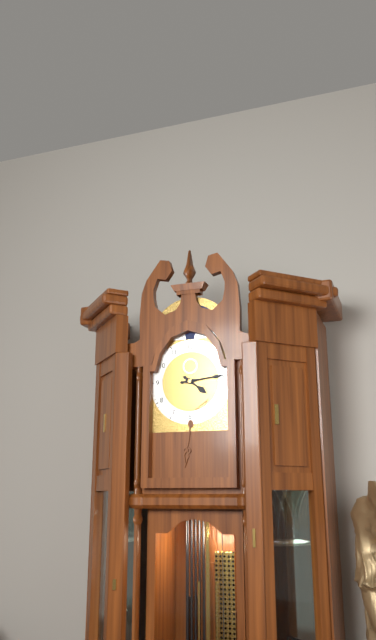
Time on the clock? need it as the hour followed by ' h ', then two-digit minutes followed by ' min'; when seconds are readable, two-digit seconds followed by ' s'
4 h 14 min
